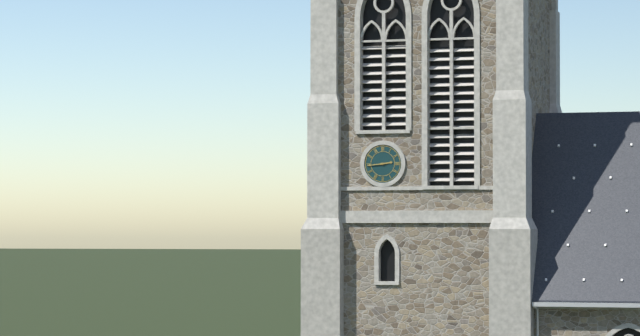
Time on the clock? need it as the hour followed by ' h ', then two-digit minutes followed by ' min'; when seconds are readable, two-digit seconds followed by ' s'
2 h 44 min
